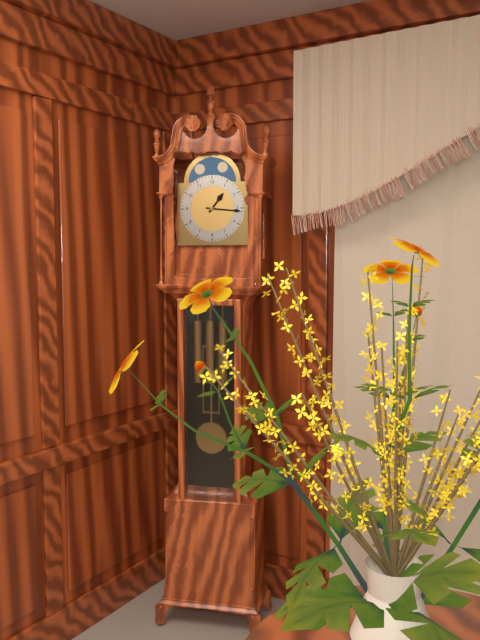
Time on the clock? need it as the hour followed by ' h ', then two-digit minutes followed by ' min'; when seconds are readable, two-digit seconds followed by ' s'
1 h 16 min
